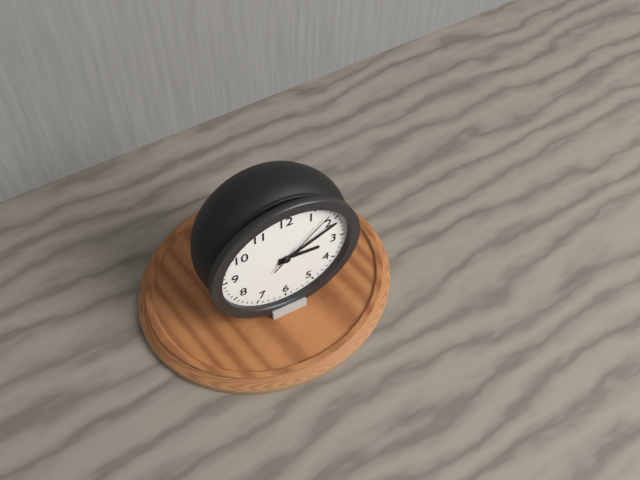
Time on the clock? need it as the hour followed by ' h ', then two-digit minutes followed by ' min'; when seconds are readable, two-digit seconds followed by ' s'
3 h 11 min 08 s
